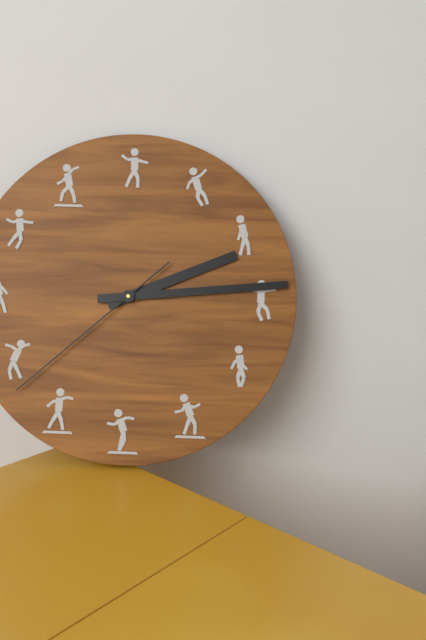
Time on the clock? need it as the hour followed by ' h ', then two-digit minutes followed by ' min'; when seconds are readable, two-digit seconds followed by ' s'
2 h 14 min 38 s
